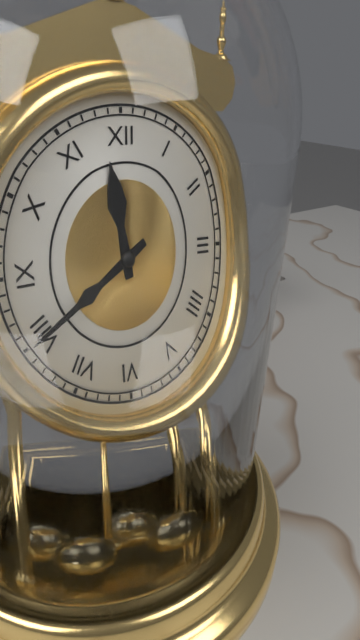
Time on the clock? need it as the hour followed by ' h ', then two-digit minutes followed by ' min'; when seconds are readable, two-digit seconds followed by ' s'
11 h 40 min
